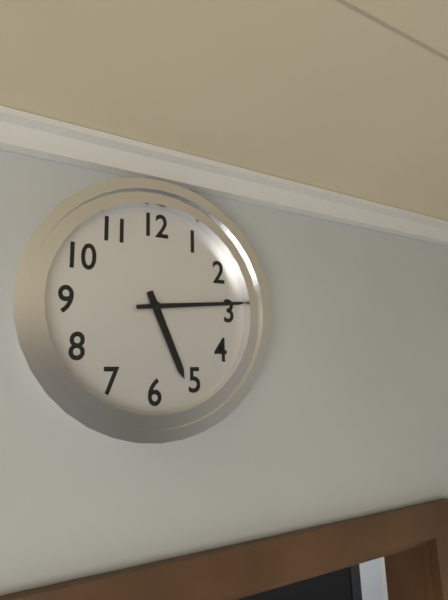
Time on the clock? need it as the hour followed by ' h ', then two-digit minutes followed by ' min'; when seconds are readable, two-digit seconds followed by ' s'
5 h 14 min
